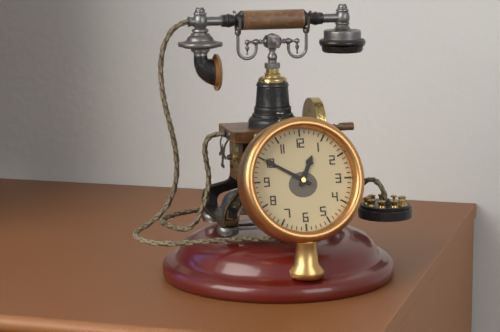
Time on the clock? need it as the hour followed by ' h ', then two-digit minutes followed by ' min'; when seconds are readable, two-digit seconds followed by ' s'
12 h 50 min
